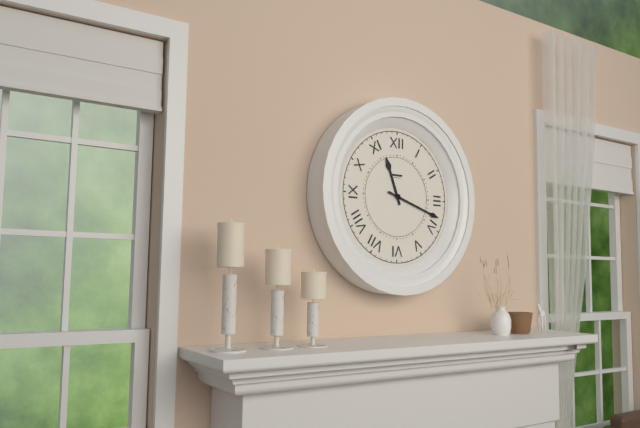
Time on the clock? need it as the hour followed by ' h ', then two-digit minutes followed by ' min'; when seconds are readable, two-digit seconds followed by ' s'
11 h 18 min
